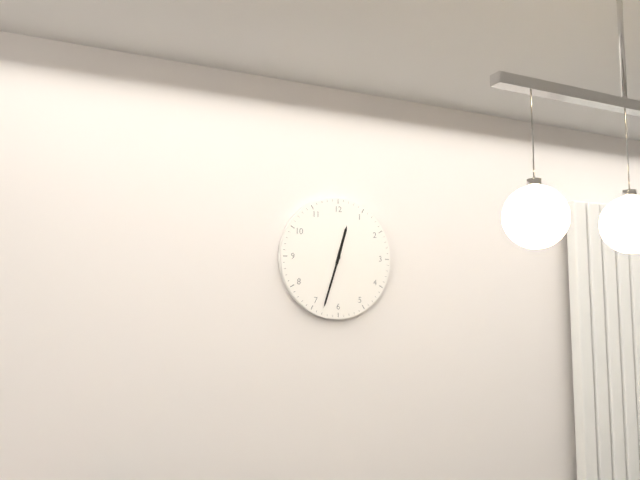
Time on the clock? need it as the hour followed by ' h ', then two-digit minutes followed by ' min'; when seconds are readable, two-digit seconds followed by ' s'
12 h 33 min
